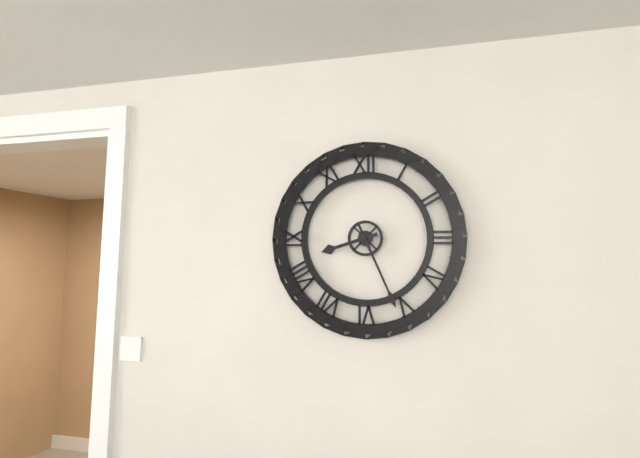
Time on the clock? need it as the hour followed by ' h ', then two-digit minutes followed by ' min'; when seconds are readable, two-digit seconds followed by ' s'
8 h 26 min
